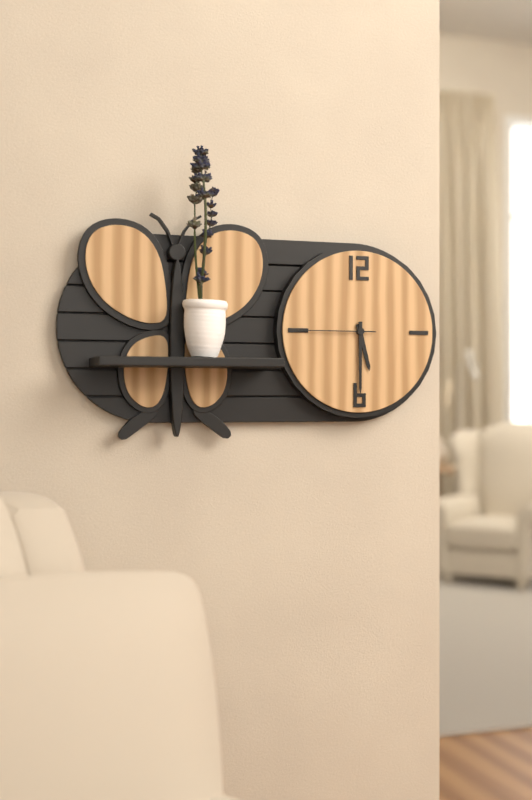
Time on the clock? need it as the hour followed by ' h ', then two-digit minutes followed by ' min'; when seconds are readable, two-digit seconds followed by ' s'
5 h 30 min 45 s
